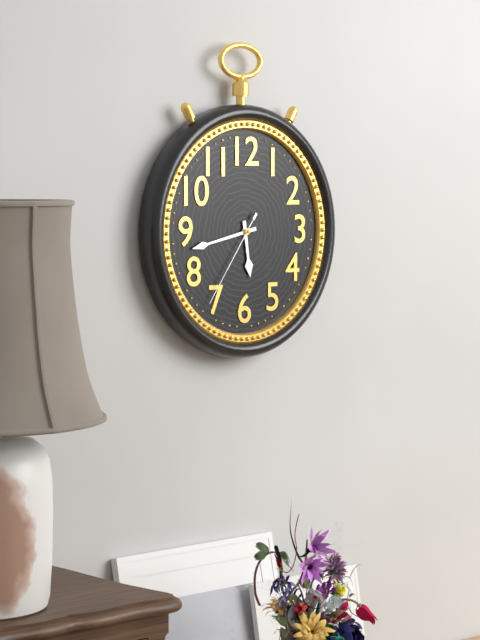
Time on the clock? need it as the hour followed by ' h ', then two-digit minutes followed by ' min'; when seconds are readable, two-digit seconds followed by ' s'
5 h 43 min 36 s
